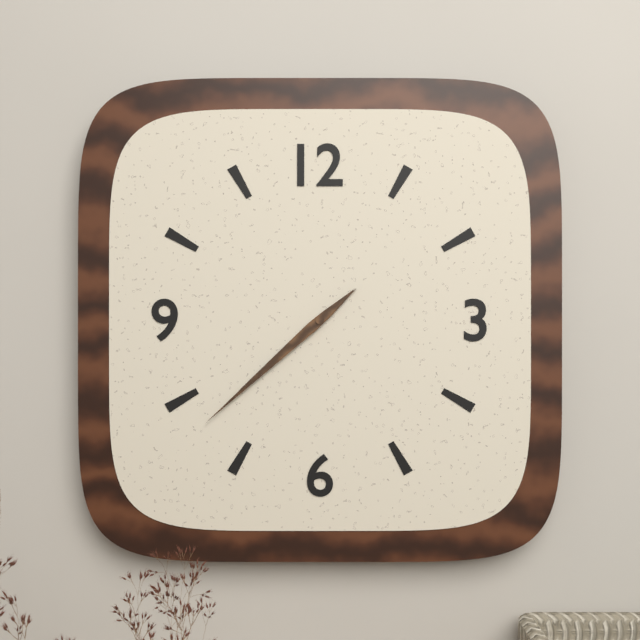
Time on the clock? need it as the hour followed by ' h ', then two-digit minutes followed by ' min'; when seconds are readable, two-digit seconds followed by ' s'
7 h 38 min
